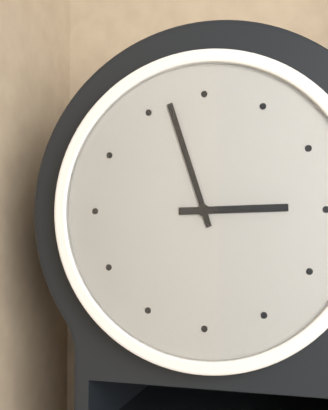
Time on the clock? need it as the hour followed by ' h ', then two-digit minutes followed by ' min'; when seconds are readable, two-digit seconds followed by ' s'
2 h 57 min
